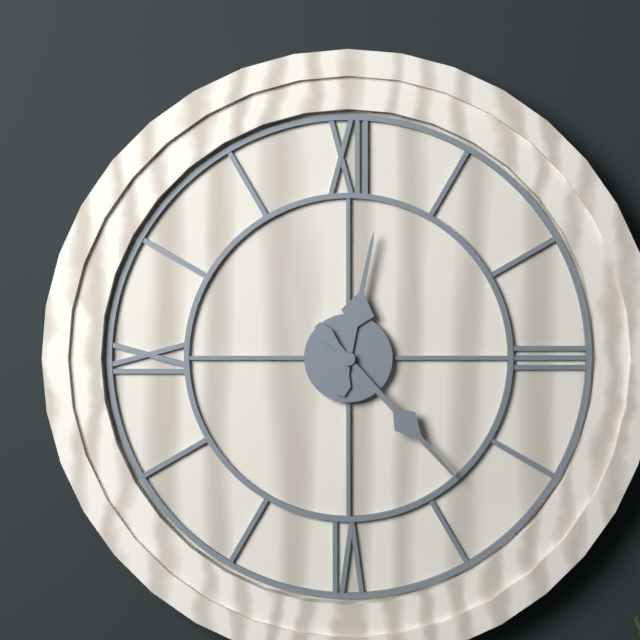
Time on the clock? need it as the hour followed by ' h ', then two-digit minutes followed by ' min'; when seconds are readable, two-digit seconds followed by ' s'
12 h 23 min
